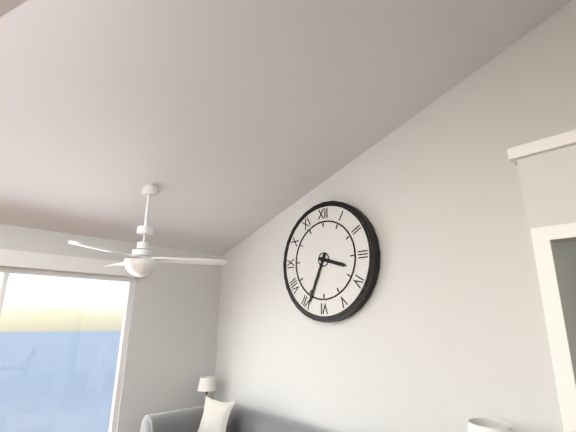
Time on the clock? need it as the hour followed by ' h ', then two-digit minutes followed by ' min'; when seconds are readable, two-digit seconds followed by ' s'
3 h 34 min
